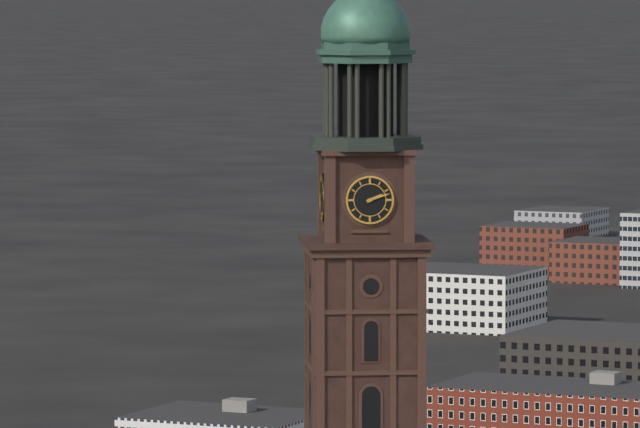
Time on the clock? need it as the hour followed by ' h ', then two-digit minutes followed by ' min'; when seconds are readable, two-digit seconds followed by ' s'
2 h 12 min
